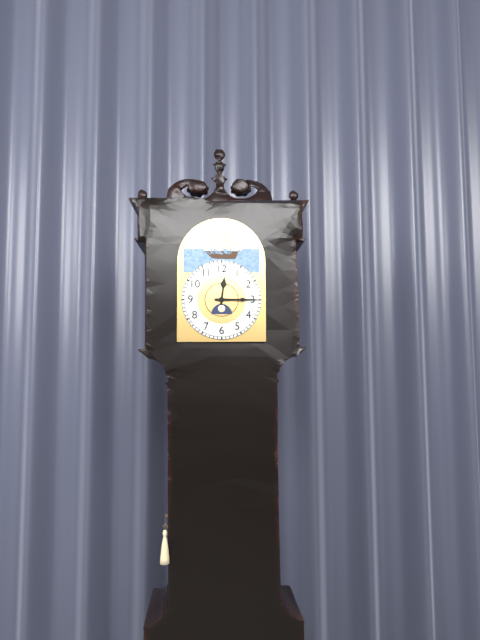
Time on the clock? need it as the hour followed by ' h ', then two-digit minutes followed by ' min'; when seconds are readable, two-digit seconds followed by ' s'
12 h 15 min
